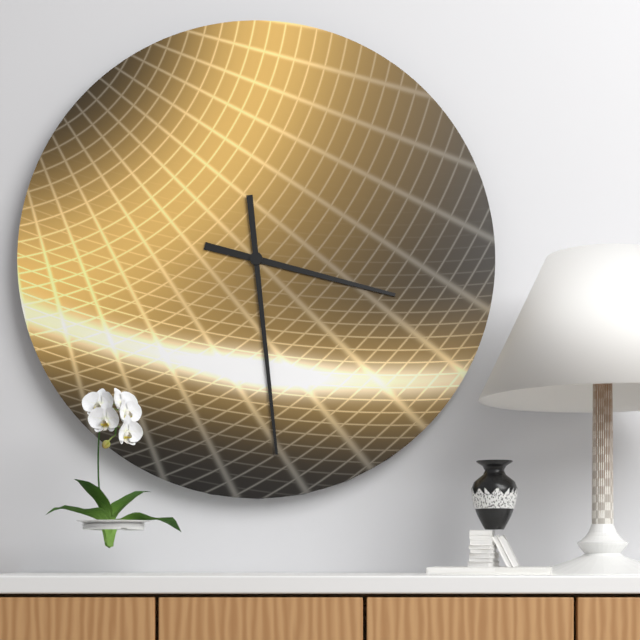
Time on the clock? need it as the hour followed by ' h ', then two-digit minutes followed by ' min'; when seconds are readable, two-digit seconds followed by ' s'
3 h 29 min
